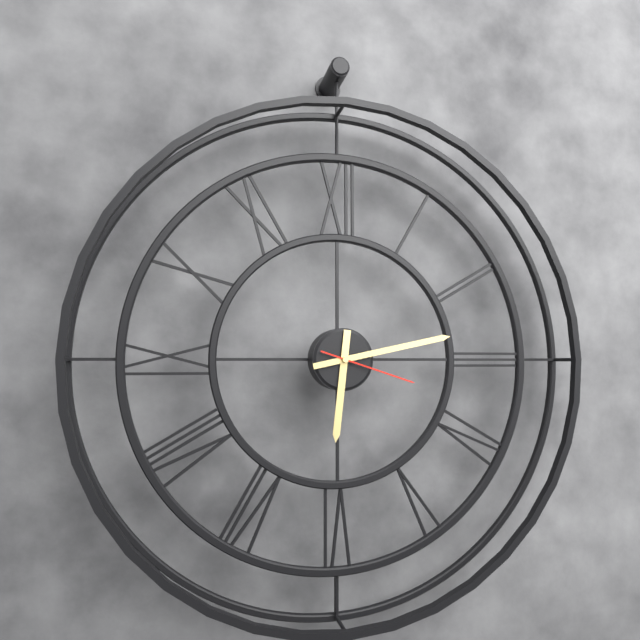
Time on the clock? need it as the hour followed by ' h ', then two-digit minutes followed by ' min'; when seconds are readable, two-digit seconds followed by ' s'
6 h 13 min 18 s
